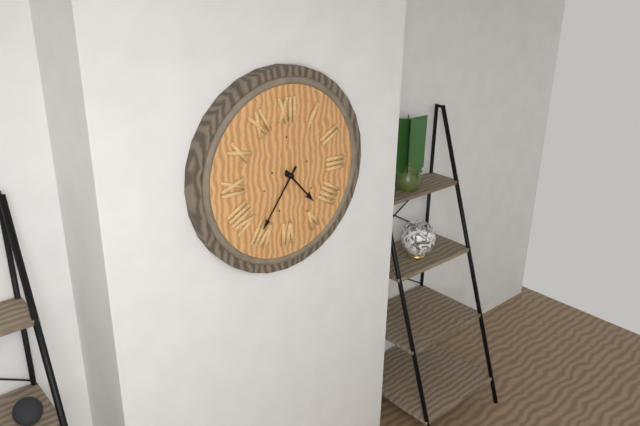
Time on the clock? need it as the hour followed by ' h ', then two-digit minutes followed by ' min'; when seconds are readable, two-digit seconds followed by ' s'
4 h 36 min
